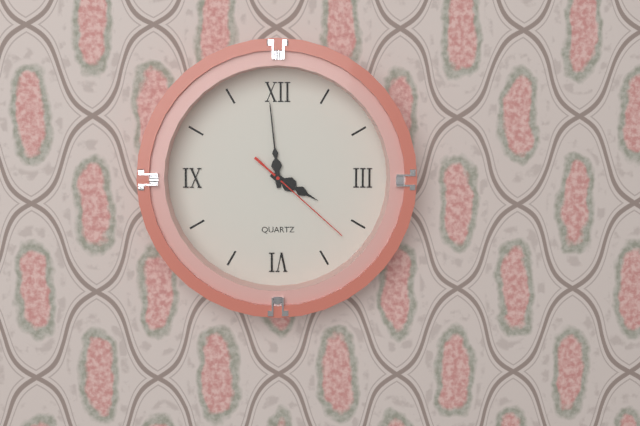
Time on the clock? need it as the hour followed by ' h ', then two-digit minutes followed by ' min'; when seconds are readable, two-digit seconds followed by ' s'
3 h 59 min 22 s
